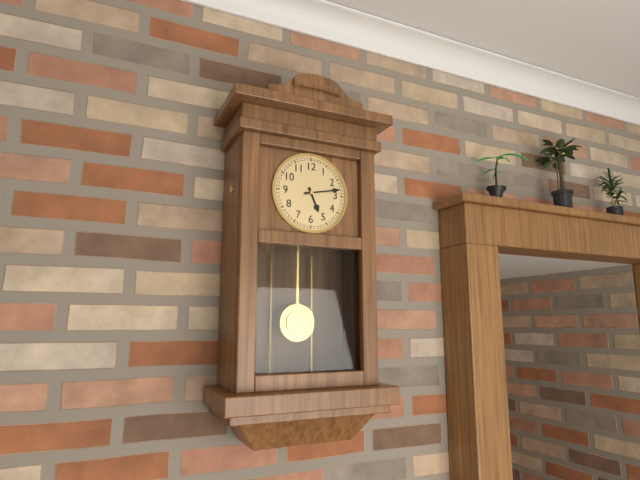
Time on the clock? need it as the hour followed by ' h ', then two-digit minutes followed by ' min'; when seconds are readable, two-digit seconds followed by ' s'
5 h 13 min
